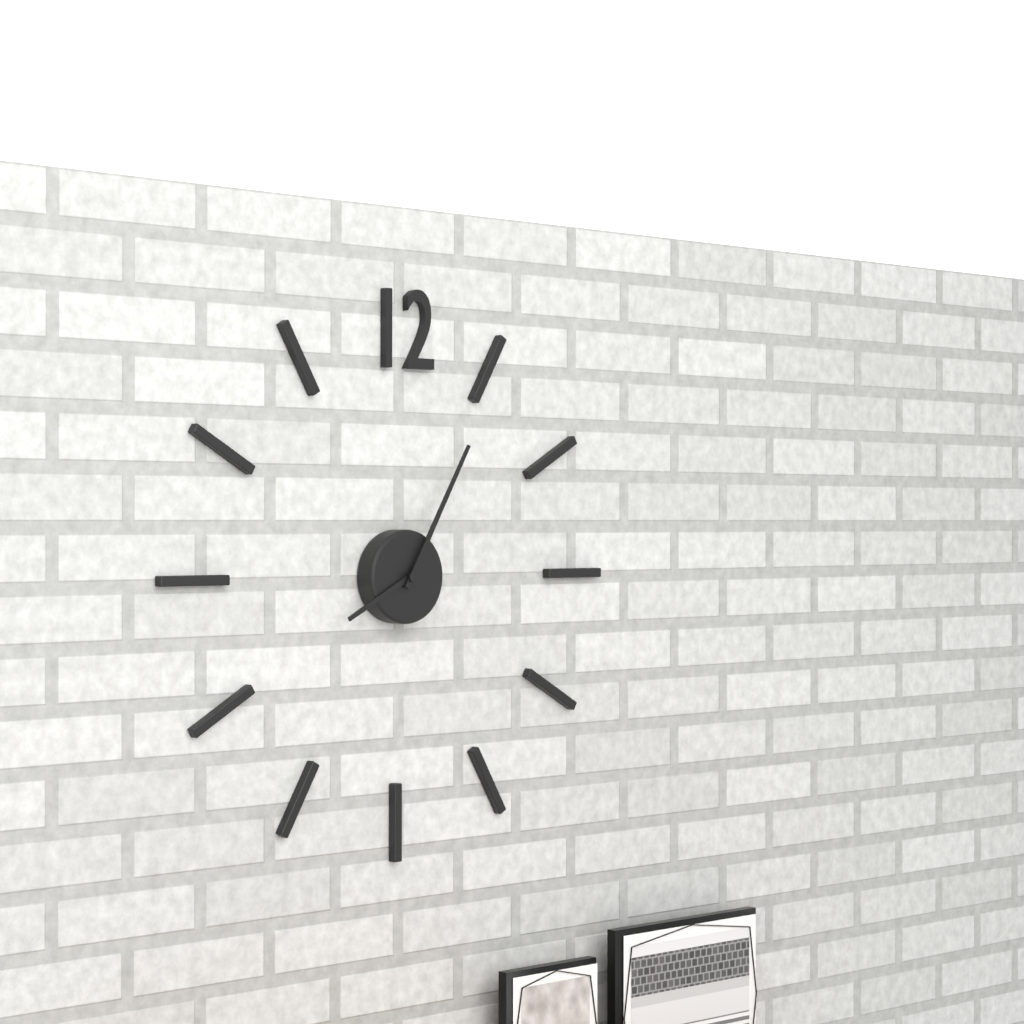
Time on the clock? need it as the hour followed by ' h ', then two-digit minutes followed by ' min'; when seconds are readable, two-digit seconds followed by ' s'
8 h 05 min
